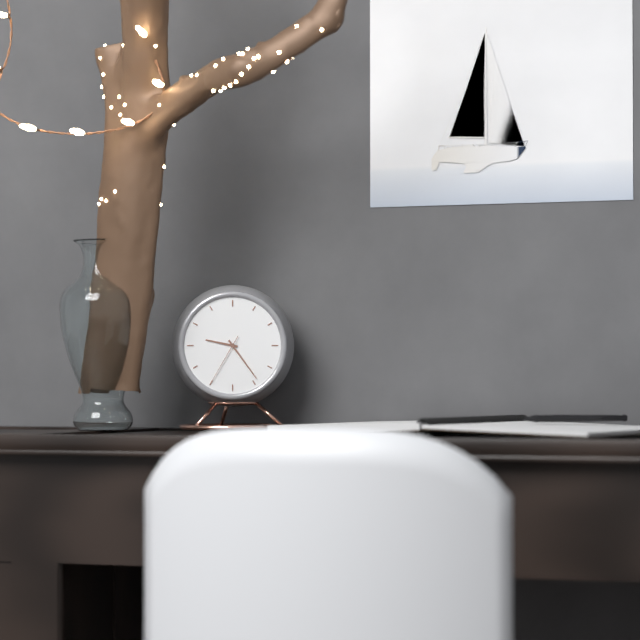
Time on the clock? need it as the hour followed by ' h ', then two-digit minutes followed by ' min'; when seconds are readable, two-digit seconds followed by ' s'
9 h 24 min 35 s
